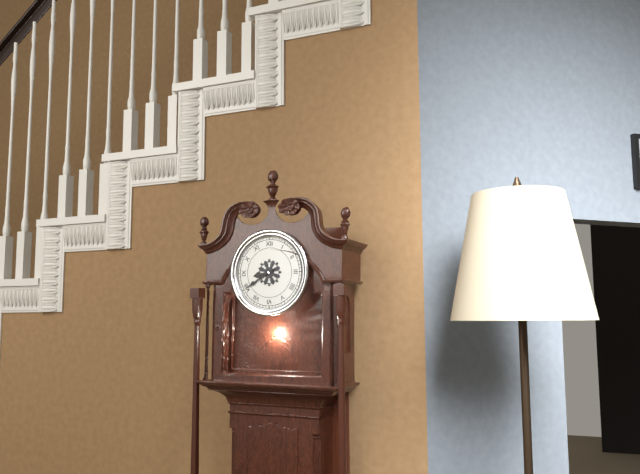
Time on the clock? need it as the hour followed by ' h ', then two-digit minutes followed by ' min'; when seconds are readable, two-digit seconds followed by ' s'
8 h 40 min
